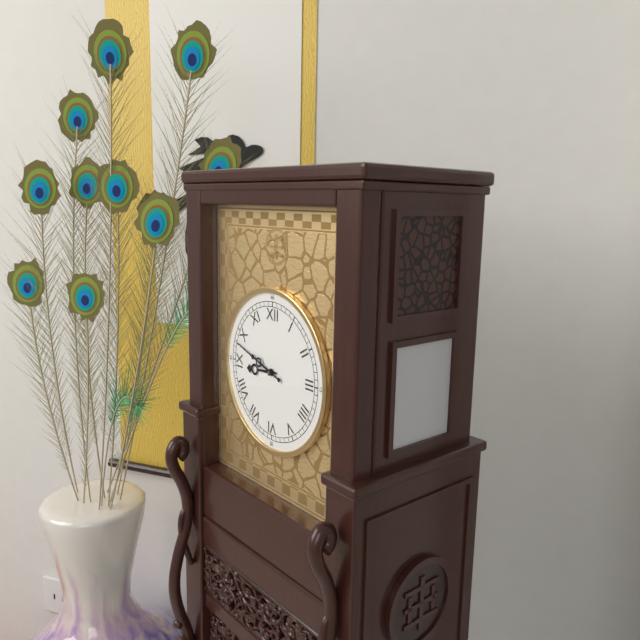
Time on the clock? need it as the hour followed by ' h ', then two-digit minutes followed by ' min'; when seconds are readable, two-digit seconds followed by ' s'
8 h 48 min
